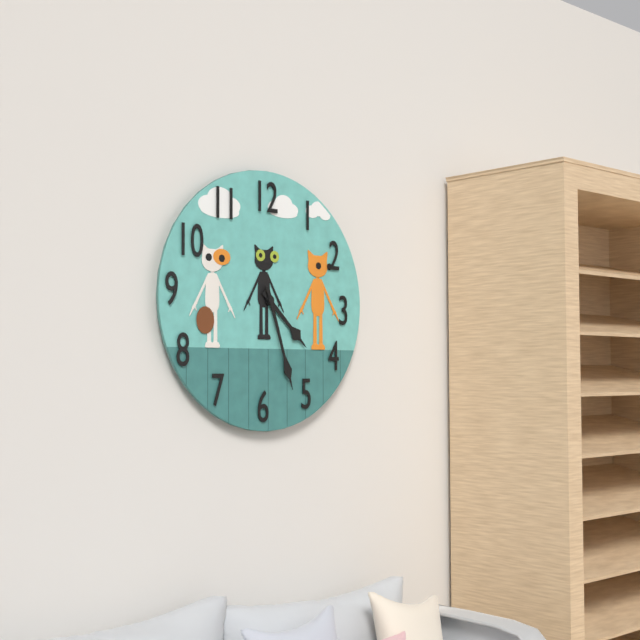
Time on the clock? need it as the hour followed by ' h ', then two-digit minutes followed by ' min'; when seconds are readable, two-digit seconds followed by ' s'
4 h 27 min
